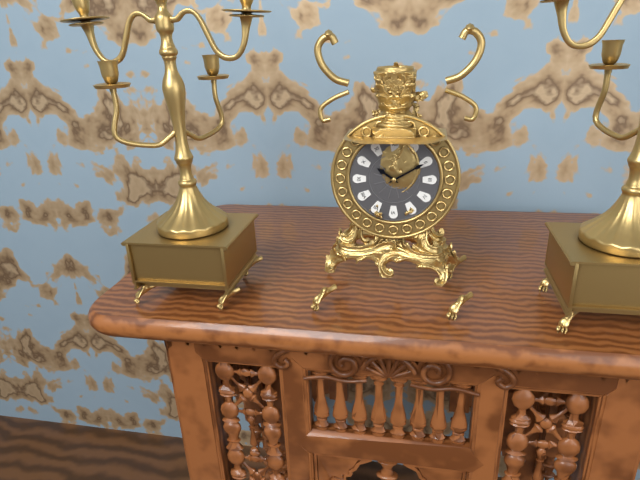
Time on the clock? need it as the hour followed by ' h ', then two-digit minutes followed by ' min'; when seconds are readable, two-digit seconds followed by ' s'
10 h 10 min
